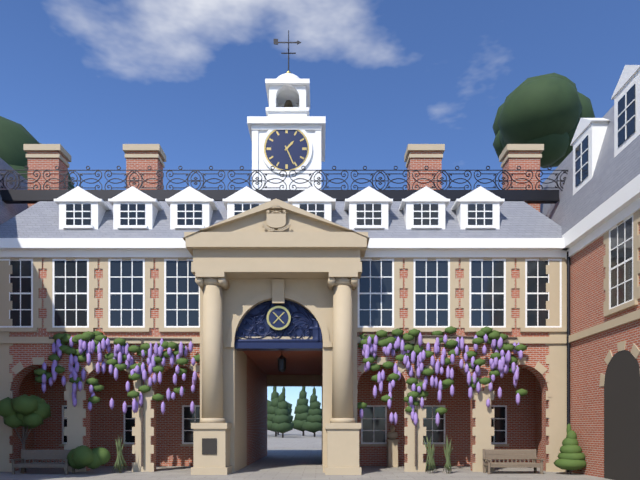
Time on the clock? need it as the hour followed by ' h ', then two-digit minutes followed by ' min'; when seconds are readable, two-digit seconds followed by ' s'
1 h 26 min
